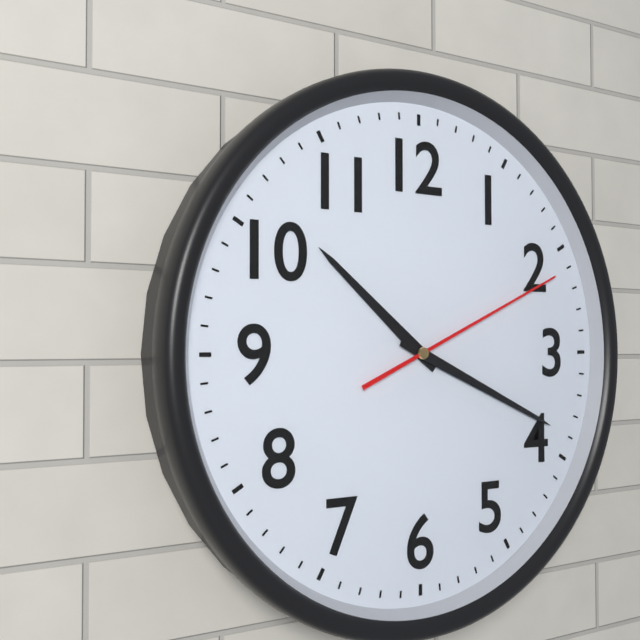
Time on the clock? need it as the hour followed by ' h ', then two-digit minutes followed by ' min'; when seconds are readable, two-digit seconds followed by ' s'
10 h 19 min 11 s
